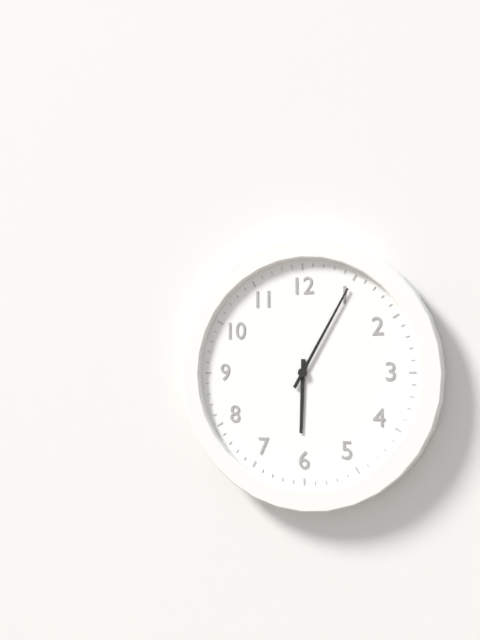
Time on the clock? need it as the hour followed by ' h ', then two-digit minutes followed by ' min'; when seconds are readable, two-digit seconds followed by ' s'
6 h 05 min
